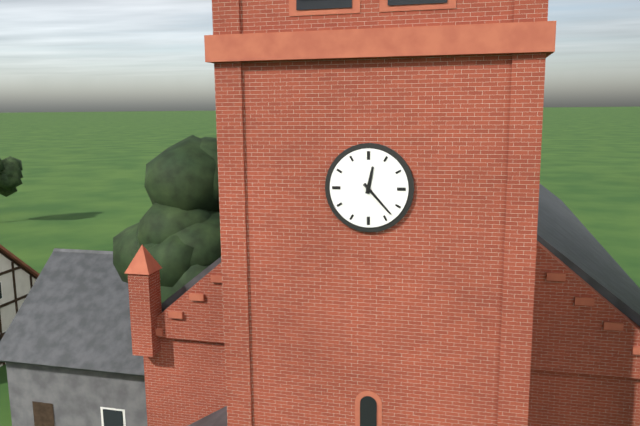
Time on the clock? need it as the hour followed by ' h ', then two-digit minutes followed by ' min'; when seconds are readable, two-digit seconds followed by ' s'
12 h 23 min
